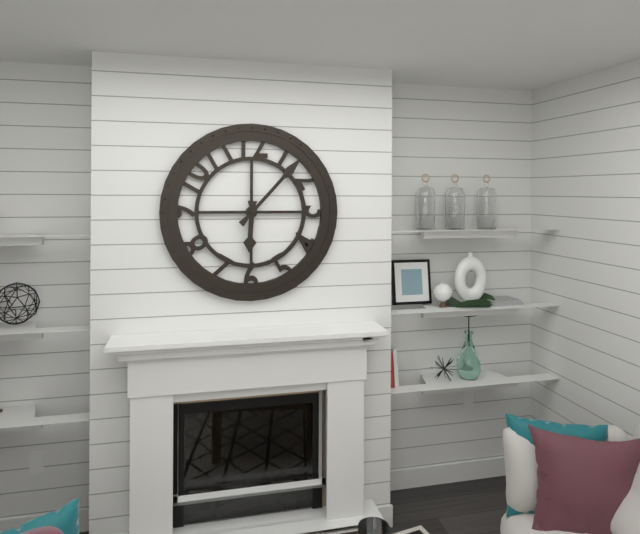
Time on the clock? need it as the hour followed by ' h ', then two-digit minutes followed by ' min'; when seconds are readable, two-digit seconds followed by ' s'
6 h 07 min
